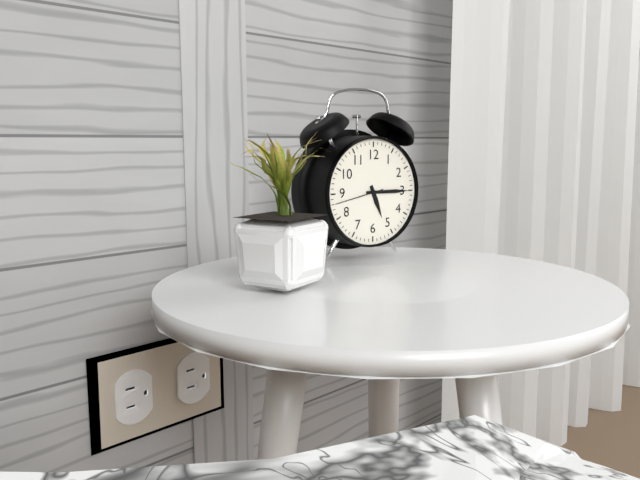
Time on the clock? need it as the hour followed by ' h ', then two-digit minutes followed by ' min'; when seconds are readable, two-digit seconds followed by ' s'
5 h 15 min
